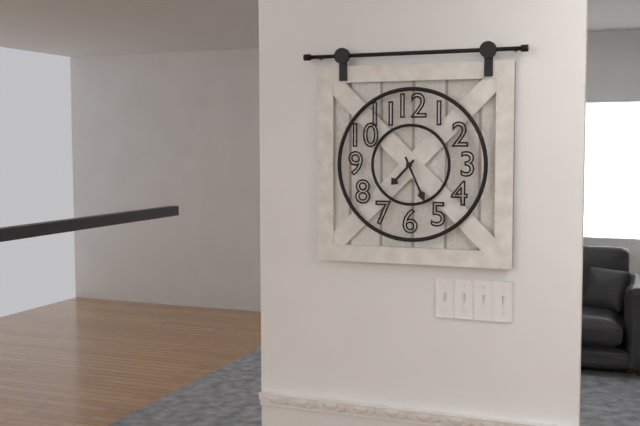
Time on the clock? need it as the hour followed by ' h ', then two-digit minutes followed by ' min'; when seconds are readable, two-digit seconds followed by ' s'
7 h 26 min
